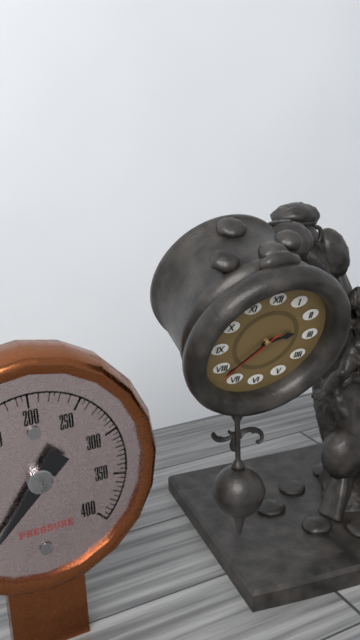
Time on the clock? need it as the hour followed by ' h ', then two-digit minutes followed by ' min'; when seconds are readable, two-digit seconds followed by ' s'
2 h 38 min 38 s
